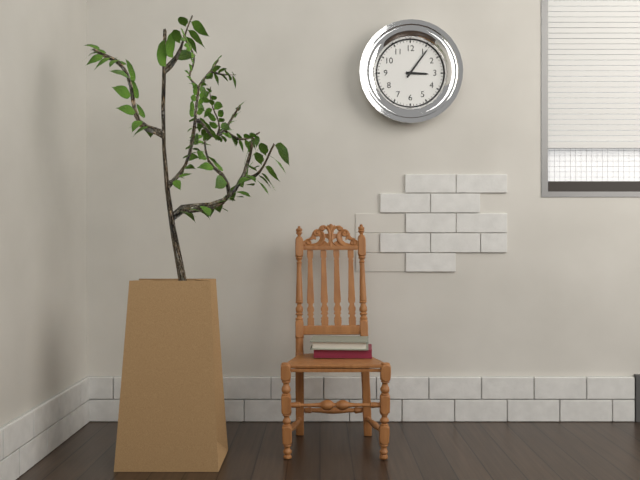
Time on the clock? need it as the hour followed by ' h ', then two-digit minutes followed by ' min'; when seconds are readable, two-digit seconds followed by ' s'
3 h 06 min
